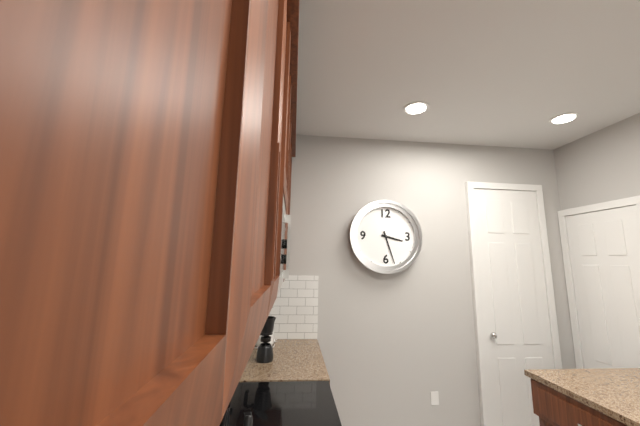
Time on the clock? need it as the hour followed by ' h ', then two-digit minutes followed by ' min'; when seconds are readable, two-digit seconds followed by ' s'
3 h 27 min
